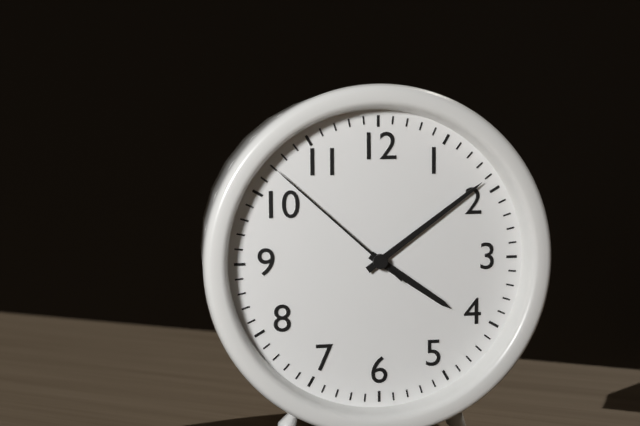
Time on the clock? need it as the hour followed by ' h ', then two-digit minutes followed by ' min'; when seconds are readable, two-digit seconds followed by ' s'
4 h 09 min 52 s
